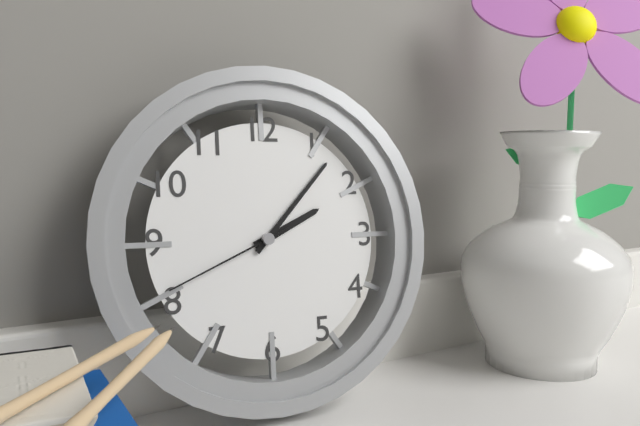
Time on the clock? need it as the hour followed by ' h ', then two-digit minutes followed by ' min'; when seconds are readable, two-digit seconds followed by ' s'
2 h 07 min 41 s
